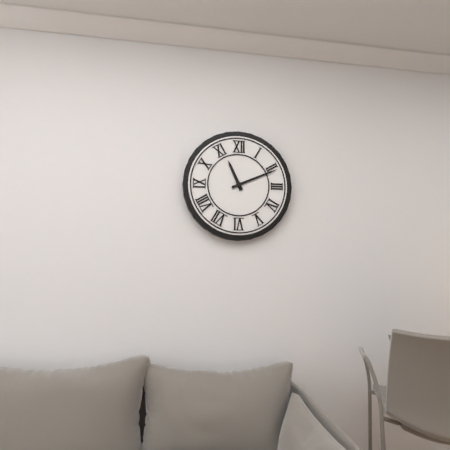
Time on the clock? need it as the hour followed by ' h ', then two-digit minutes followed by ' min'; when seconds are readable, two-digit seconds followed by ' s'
11 h 11 min
